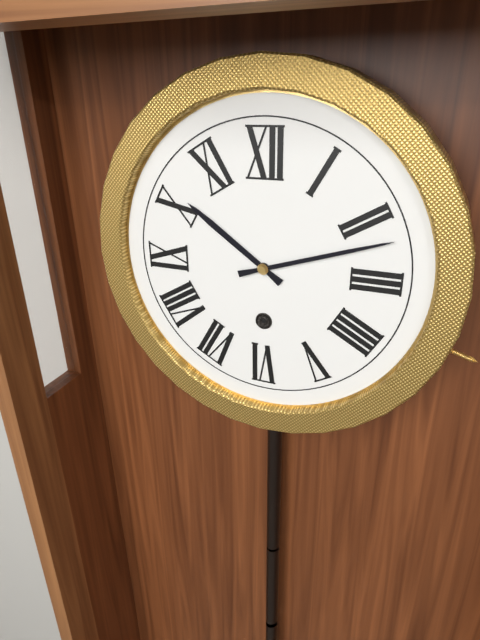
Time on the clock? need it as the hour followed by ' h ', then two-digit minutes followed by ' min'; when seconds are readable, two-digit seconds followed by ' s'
10 h 12 min
